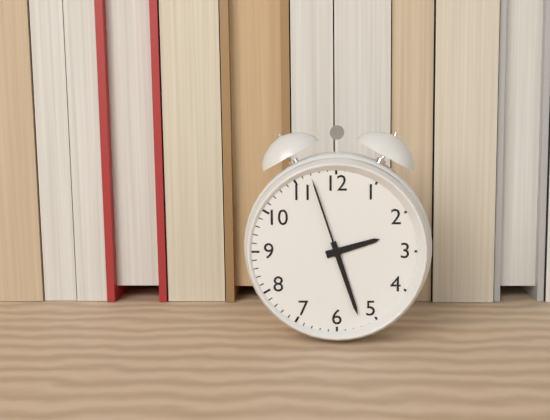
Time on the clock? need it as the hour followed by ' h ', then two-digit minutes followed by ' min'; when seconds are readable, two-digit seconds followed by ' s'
2 h 27 min 57 s
